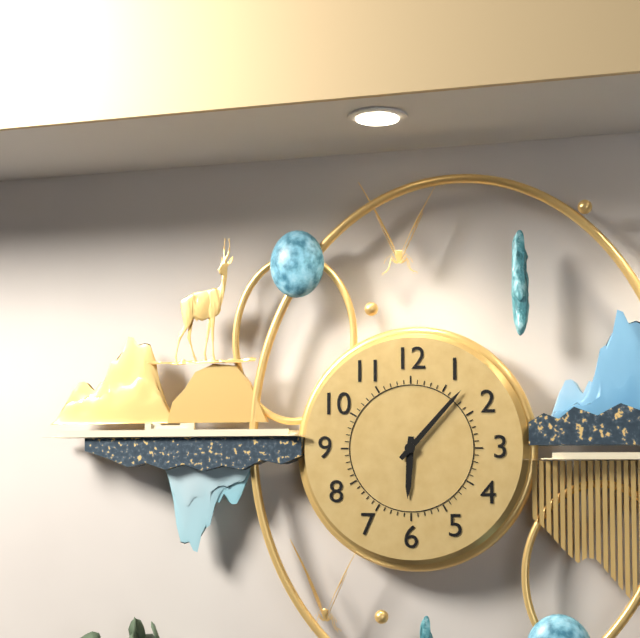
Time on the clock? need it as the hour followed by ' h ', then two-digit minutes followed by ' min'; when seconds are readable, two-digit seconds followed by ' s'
6 h 07 min
